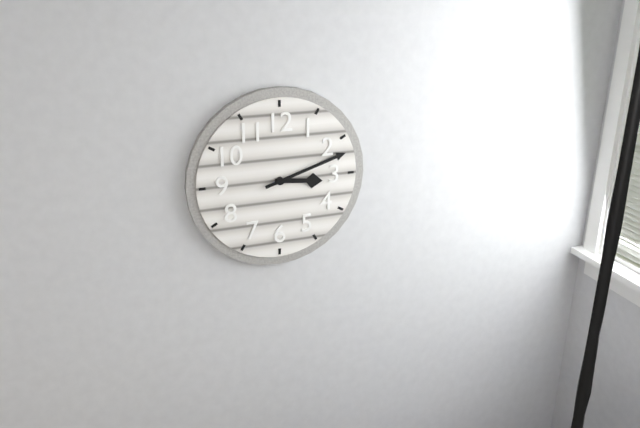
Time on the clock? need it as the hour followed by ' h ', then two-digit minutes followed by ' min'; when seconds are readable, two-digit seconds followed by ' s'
3 h 12 min
